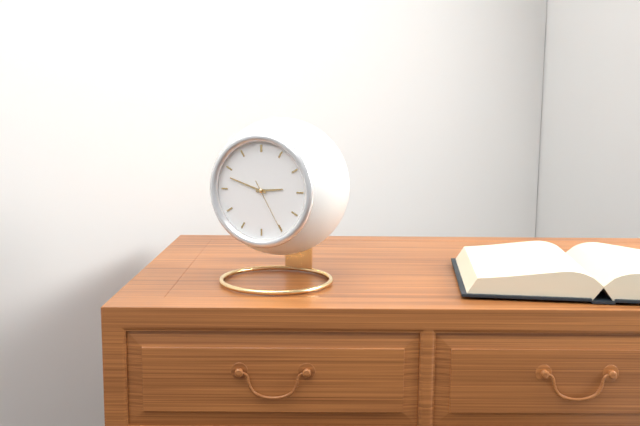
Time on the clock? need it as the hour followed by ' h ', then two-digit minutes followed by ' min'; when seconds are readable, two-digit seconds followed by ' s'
2 h 48 min 25 s
